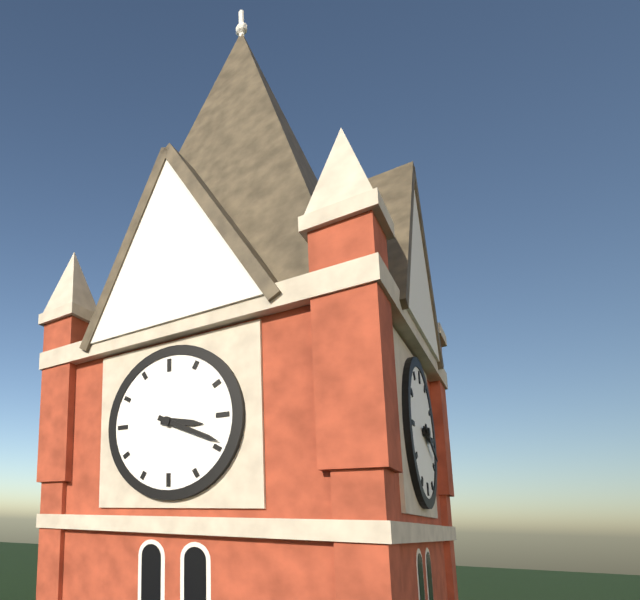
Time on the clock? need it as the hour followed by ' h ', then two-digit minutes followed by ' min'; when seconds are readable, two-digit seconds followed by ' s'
3 h 19 min
